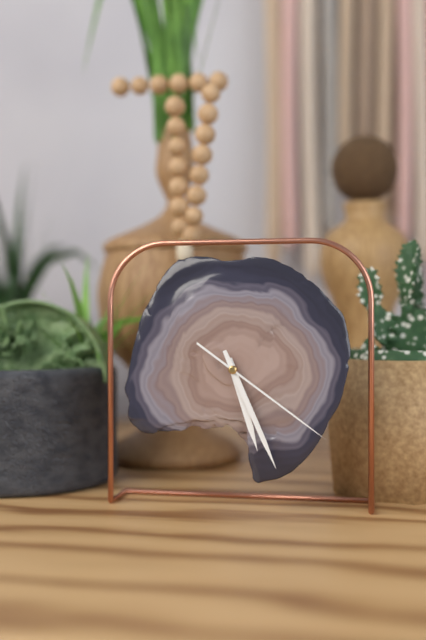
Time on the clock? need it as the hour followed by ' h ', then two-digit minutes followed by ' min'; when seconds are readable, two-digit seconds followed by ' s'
5 h 26 min 21 s
